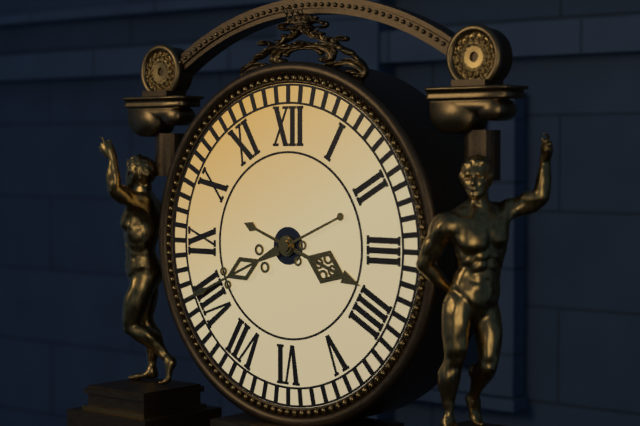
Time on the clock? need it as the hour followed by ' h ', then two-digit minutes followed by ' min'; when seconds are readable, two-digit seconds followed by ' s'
3 h 41 min
